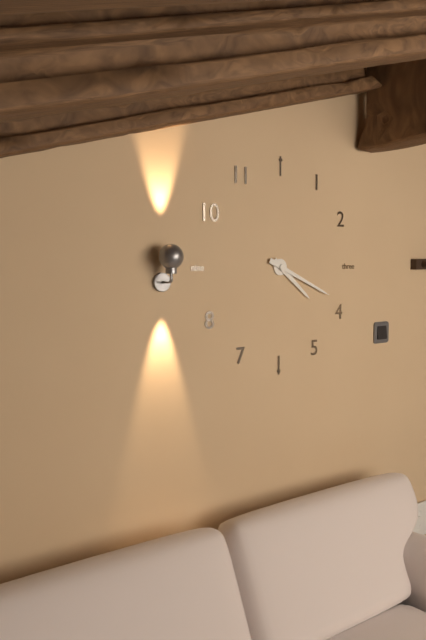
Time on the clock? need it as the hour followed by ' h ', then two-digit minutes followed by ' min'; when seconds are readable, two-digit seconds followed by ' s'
4 h 19 min
